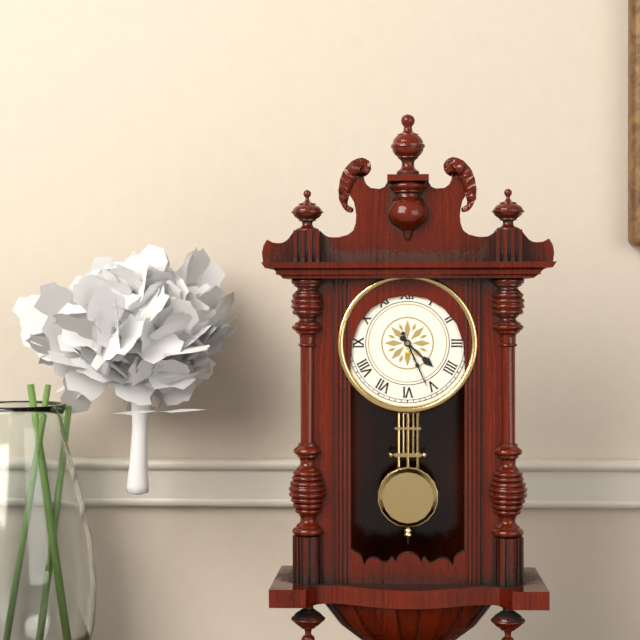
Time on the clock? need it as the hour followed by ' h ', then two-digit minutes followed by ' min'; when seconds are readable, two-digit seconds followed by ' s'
4 h 26 min
